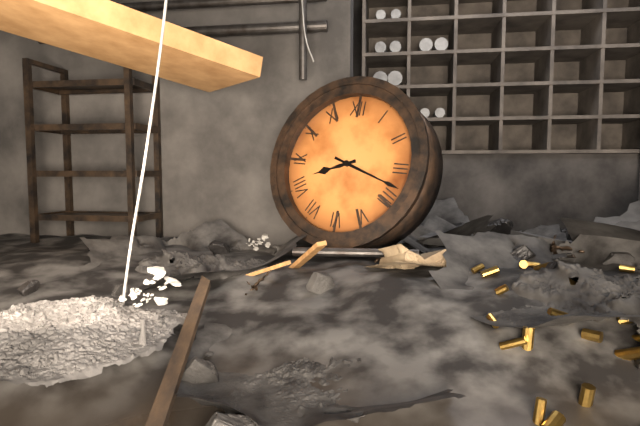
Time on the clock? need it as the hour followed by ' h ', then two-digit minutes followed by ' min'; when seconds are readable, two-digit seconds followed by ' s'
8 h 18 min
